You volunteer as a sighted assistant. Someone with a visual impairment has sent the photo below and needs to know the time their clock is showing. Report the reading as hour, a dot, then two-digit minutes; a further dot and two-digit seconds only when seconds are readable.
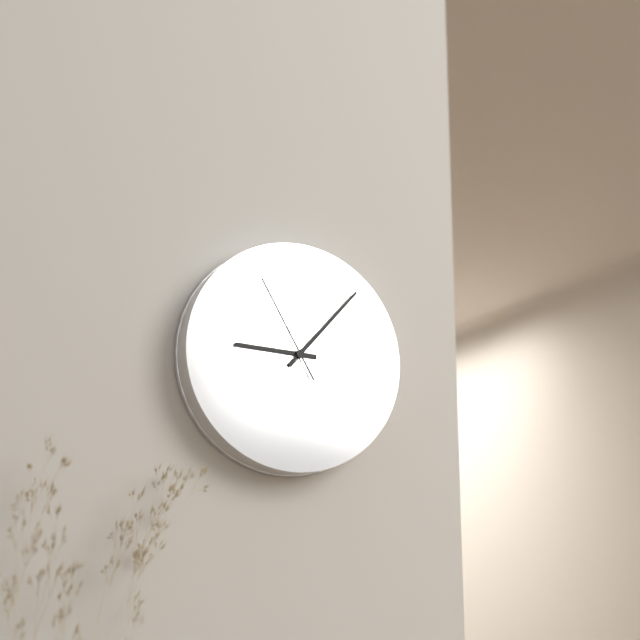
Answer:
9.07.55
